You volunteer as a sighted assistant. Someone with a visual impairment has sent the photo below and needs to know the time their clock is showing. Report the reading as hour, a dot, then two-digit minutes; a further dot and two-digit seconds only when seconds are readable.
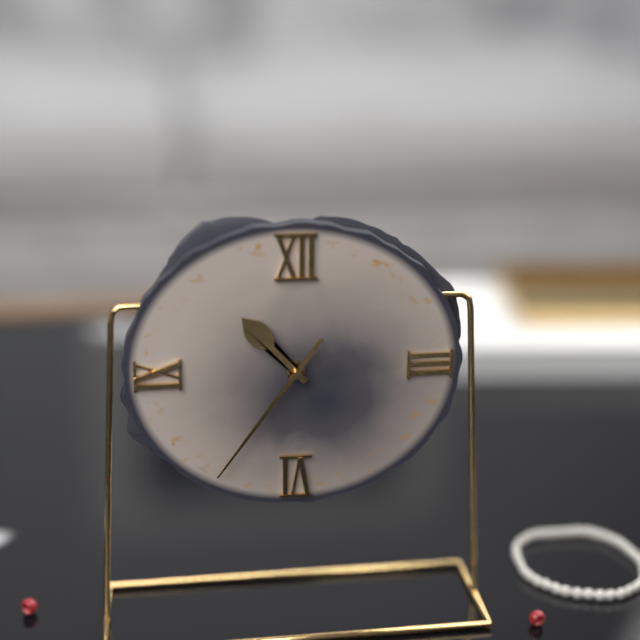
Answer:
10.36
